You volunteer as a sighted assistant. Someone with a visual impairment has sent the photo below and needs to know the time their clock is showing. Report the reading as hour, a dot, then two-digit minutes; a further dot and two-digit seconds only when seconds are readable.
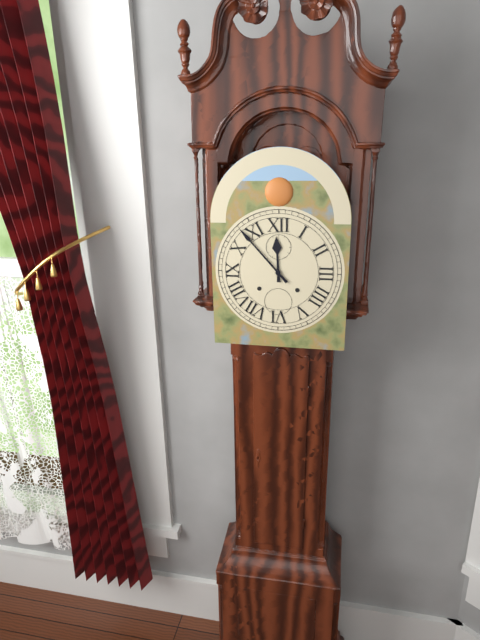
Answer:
11.53
